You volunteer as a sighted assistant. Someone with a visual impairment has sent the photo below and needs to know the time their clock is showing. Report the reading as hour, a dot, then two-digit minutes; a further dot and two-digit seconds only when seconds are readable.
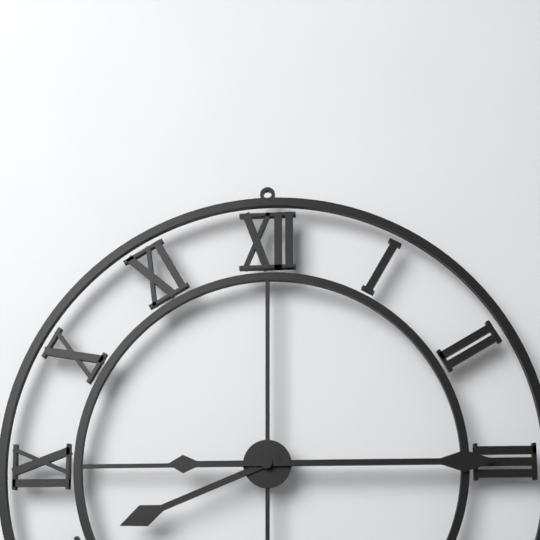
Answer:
8.15
